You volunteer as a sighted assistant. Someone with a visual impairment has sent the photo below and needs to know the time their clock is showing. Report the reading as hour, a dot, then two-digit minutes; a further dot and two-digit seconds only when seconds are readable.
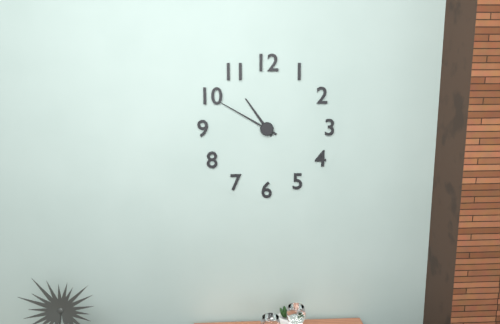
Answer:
10.50
